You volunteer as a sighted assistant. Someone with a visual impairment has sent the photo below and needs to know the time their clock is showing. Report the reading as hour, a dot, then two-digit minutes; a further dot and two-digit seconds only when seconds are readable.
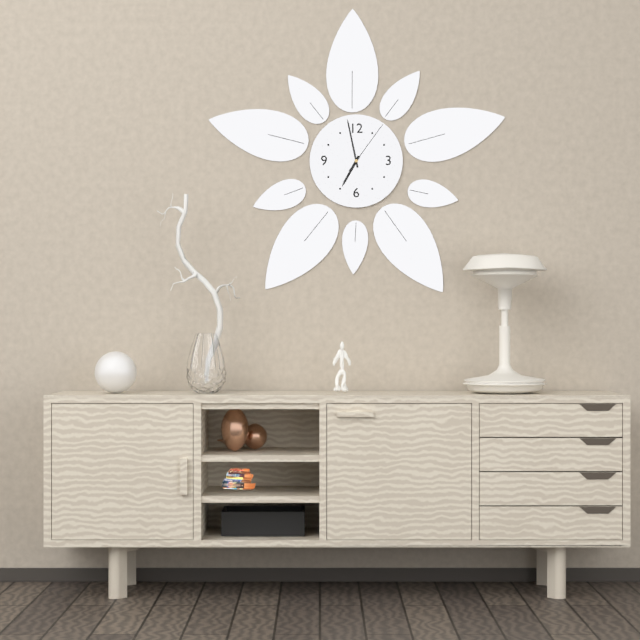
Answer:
6.58.06
